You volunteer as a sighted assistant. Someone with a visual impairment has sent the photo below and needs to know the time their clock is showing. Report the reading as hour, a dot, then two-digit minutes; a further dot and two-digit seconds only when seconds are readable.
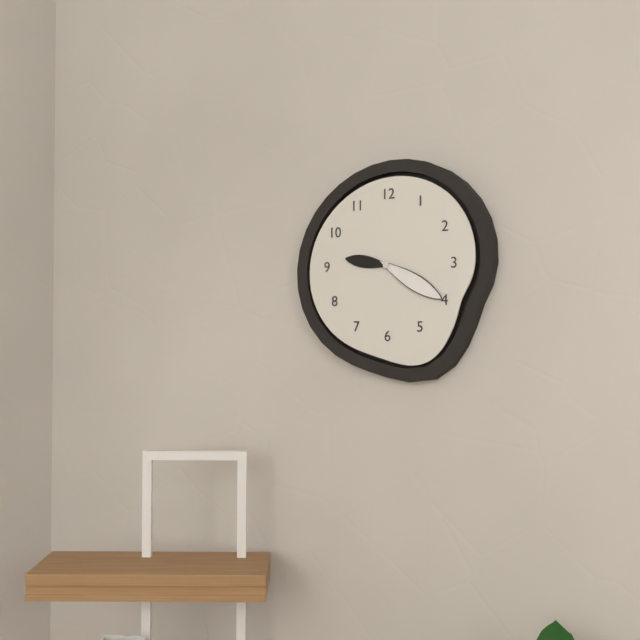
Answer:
9.20
